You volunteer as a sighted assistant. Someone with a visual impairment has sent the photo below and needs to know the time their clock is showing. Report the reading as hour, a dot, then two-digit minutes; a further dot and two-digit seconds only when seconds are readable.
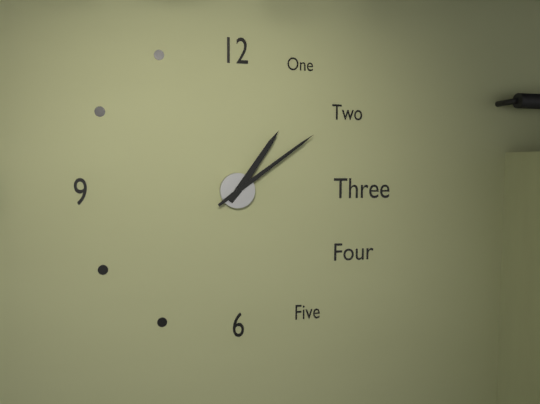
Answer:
1.09
